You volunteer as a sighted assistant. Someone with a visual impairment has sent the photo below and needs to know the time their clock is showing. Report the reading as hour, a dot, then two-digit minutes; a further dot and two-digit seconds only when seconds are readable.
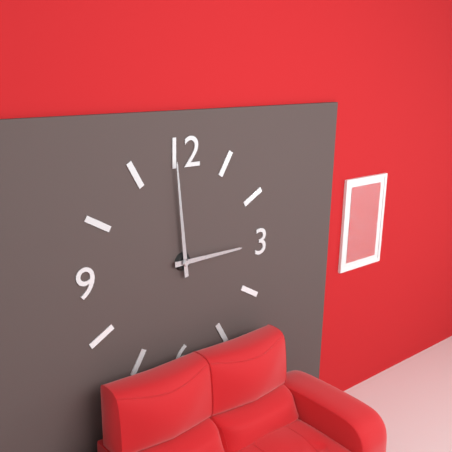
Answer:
2.59
